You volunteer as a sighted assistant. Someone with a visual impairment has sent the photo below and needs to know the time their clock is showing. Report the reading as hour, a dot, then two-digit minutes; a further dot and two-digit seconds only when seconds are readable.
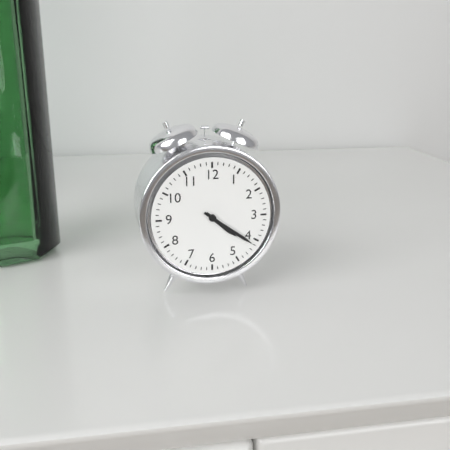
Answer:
4.21
